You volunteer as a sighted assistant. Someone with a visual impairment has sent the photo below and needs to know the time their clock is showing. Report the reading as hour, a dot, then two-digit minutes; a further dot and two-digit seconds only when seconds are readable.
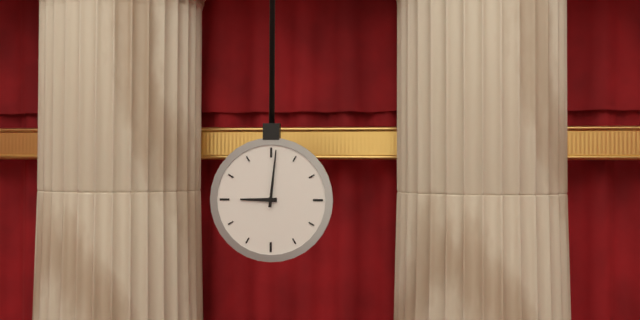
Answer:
9.01
